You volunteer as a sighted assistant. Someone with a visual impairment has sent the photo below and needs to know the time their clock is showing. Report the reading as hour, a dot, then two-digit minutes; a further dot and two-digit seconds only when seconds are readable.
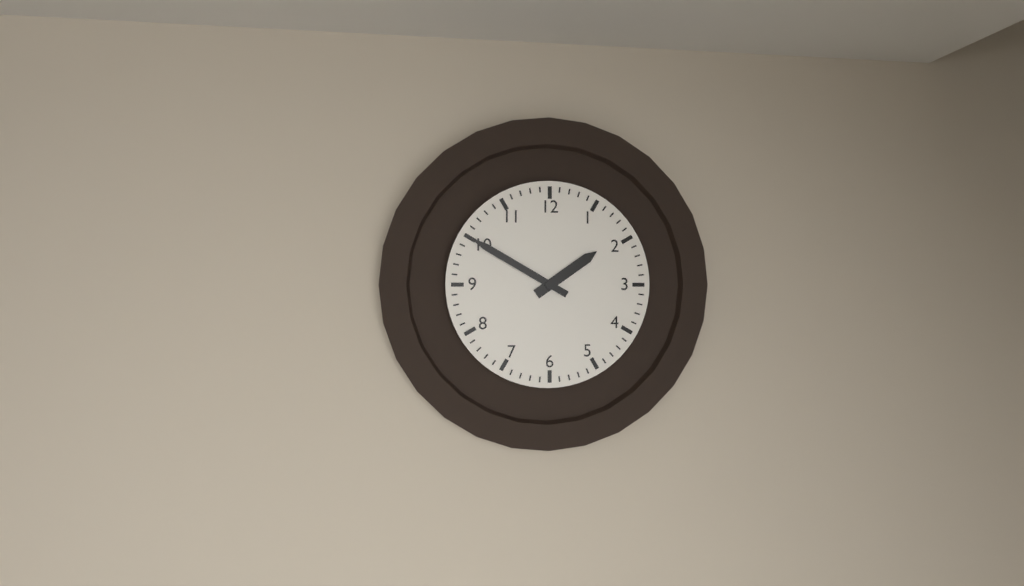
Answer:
1.50
